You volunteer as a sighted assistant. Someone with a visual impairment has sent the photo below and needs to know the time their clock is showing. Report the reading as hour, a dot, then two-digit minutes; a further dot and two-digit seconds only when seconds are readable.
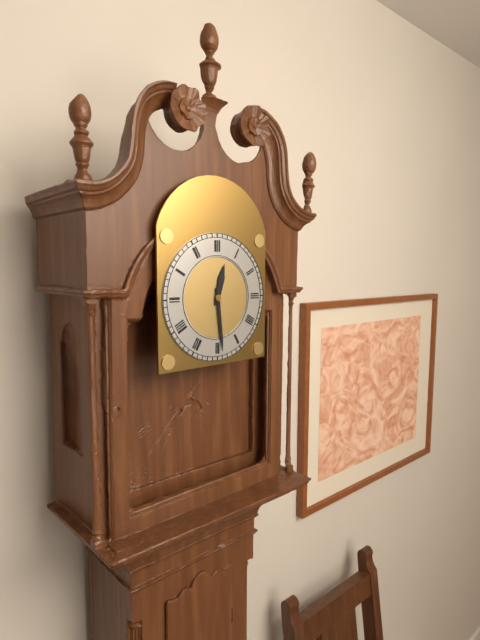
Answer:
12.29
